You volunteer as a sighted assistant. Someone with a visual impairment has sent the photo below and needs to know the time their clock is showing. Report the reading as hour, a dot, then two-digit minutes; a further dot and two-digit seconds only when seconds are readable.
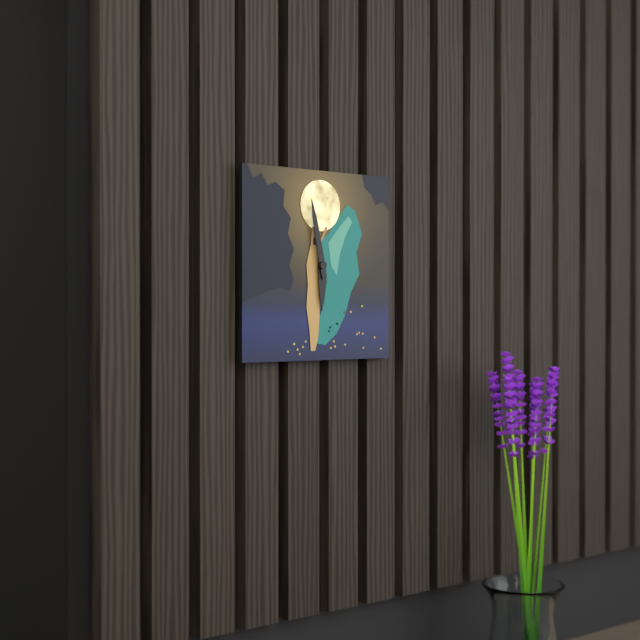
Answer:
5.58
